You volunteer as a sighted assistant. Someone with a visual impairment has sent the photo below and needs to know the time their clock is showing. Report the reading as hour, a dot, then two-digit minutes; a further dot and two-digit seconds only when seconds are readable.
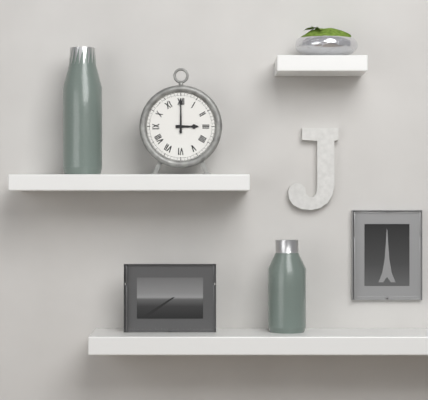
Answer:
3.00
